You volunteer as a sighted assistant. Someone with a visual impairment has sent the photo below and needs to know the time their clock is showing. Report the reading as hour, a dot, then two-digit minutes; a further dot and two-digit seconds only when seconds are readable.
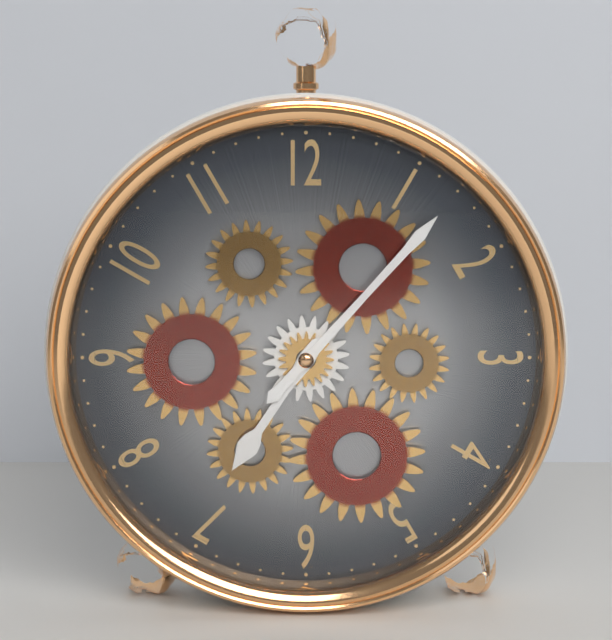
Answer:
7.07
